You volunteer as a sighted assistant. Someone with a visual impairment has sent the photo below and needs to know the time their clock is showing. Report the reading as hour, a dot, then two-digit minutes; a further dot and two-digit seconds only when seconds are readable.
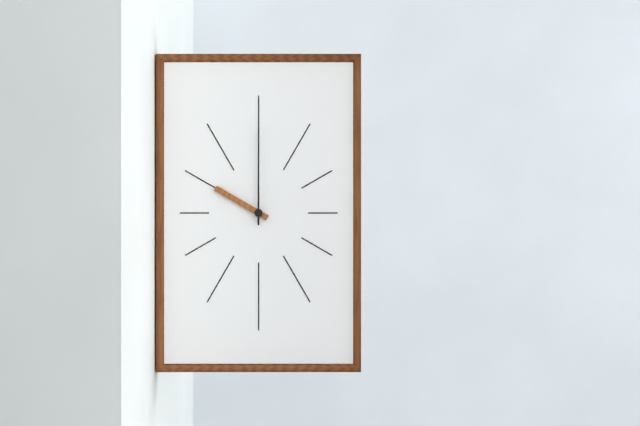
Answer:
10.00
